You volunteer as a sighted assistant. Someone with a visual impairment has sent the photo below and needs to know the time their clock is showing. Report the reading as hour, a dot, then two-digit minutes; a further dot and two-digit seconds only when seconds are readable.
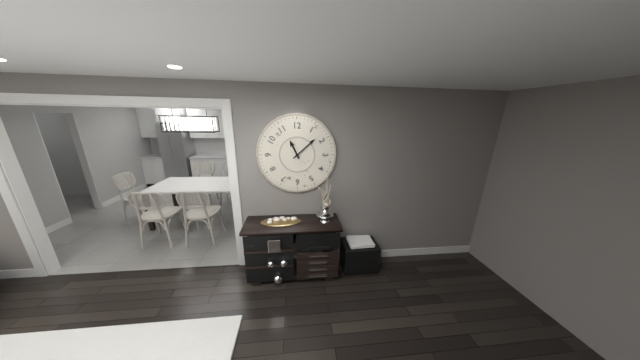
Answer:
11.08
